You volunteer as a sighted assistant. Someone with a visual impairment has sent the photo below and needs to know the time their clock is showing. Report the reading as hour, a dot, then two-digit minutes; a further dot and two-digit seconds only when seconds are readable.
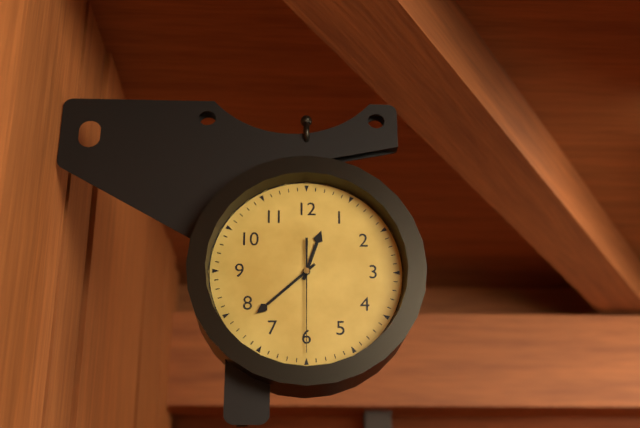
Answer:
12.38.30
